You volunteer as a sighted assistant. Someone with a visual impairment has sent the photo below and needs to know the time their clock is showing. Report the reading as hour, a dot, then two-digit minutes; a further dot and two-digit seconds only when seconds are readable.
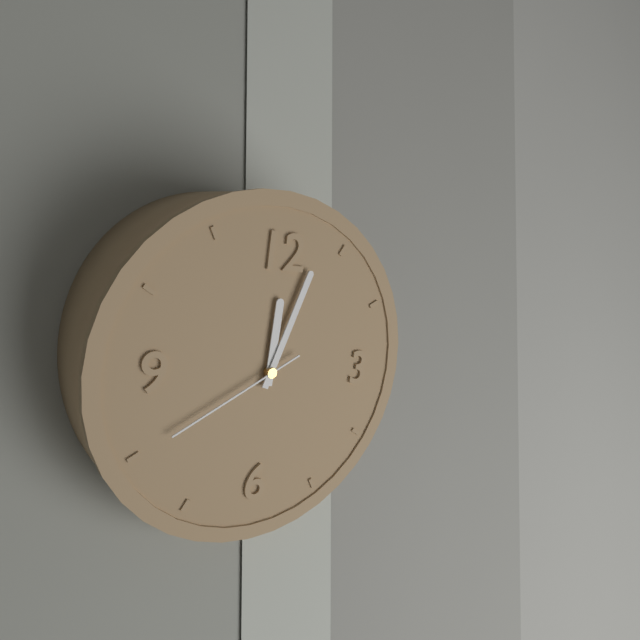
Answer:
12.03.40
